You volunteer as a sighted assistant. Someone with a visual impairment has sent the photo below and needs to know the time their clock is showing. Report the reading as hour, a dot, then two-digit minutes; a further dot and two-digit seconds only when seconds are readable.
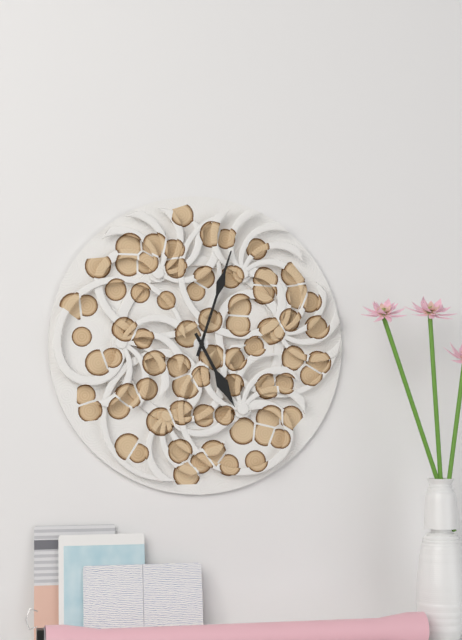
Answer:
5.03
